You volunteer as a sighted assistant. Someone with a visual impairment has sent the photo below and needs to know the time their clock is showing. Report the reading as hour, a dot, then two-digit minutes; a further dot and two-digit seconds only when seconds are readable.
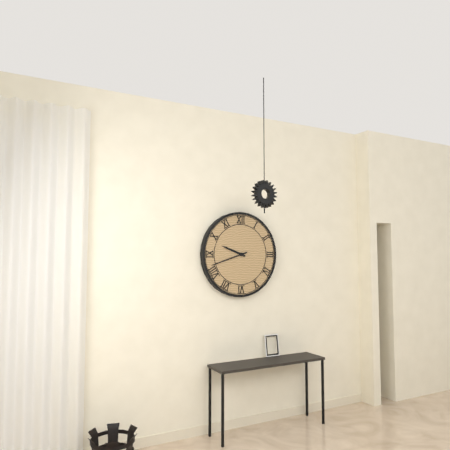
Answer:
9.42
